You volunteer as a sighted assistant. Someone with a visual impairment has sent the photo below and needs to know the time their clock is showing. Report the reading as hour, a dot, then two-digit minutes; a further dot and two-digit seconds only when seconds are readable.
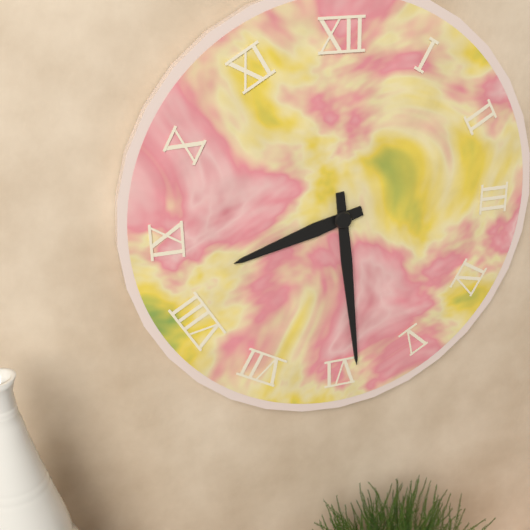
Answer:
8.29
